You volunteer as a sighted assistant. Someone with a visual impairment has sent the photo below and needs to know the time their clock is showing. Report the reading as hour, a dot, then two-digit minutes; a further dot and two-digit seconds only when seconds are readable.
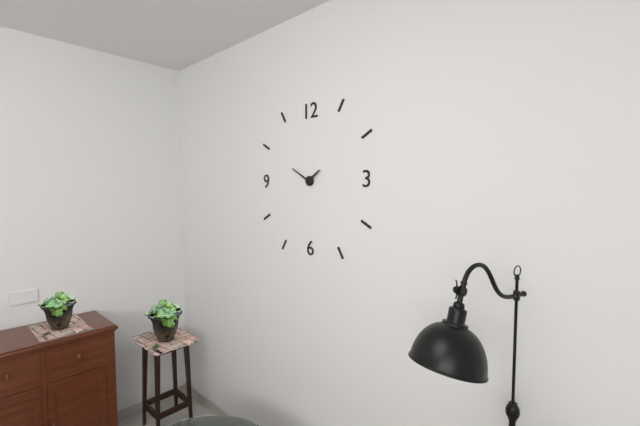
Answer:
1.50
